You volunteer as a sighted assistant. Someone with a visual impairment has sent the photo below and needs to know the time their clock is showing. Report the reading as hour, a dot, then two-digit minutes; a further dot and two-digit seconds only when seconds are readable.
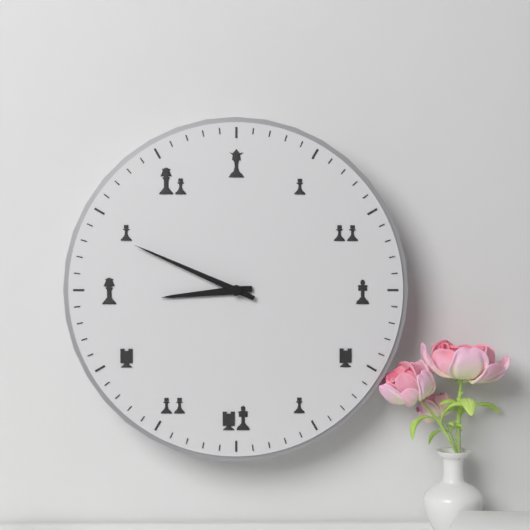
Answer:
8.49
